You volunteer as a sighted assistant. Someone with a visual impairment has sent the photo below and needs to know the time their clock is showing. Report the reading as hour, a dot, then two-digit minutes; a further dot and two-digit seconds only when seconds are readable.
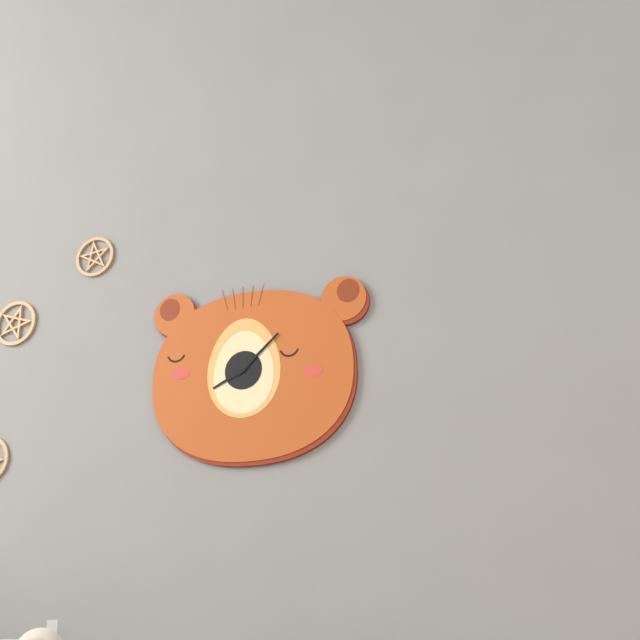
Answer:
8.08
